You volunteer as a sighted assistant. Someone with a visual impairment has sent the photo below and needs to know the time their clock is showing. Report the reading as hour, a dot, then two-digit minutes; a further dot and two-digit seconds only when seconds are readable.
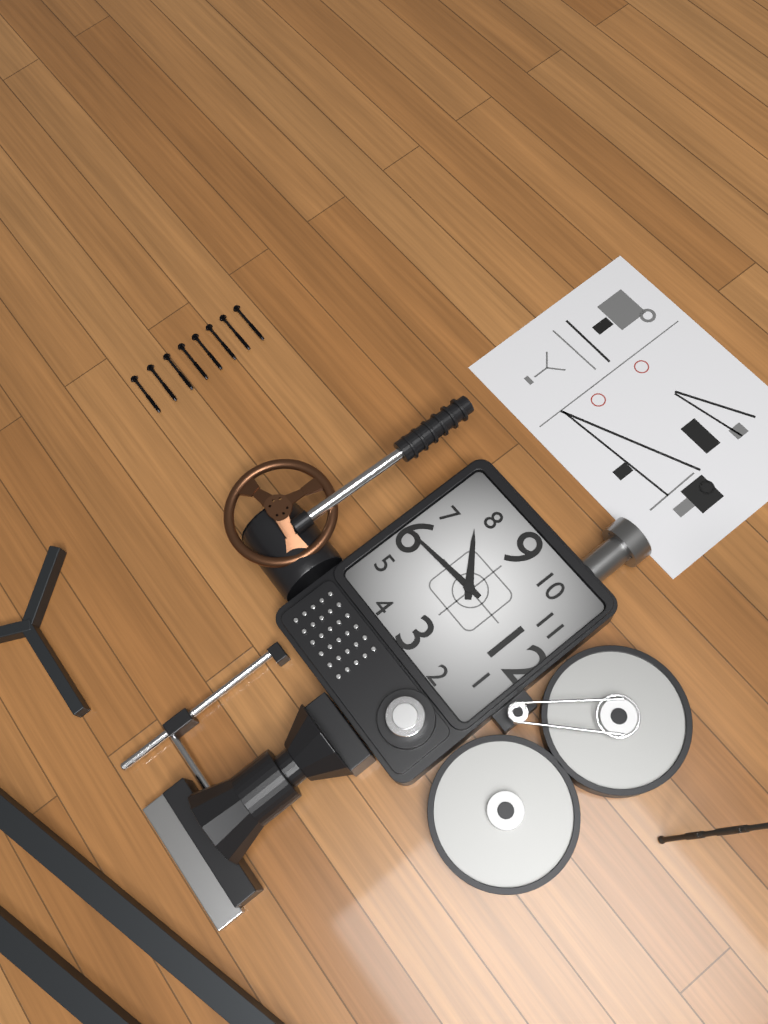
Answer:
7.29
